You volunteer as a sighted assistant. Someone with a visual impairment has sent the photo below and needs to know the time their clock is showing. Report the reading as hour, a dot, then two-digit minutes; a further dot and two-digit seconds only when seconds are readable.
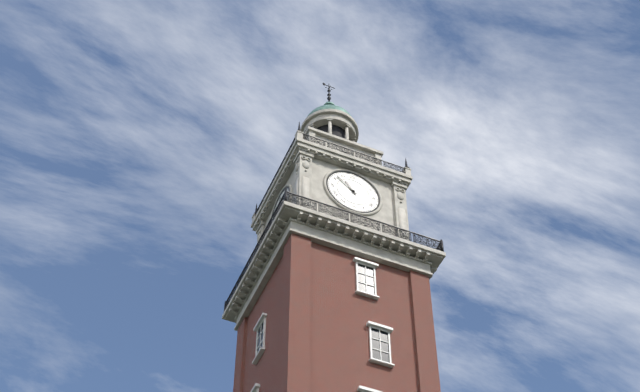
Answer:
10.52
